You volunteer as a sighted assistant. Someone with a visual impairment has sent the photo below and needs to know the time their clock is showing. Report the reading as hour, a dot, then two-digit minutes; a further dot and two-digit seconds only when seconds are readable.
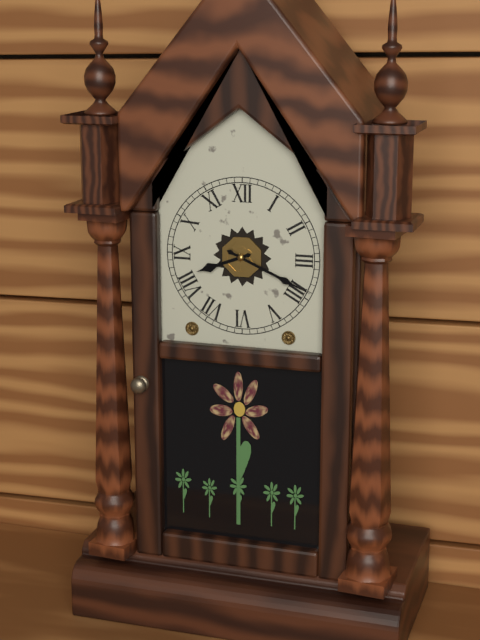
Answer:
8.19
